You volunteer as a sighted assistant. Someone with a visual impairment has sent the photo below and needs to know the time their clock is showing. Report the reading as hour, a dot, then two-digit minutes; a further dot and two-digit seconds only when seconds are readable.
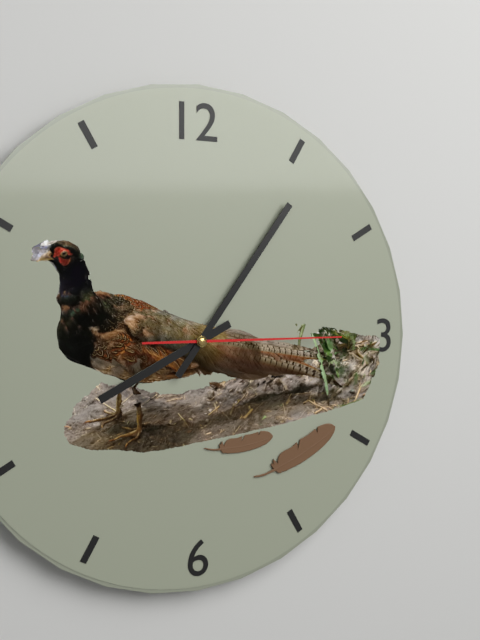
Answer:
8.06.15
